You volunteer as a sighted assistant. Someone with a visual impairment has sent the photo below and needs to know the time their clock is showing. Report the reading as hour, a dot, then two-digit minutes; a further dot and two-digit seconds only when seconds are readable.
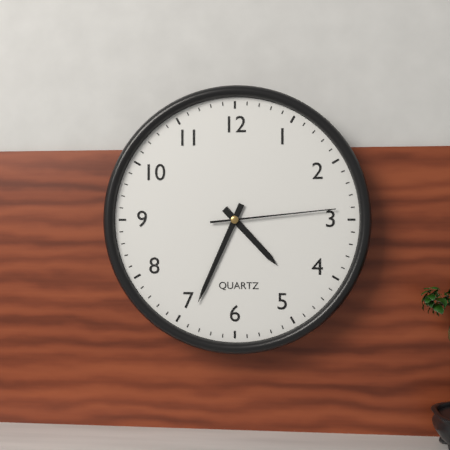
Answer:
4.34.14
